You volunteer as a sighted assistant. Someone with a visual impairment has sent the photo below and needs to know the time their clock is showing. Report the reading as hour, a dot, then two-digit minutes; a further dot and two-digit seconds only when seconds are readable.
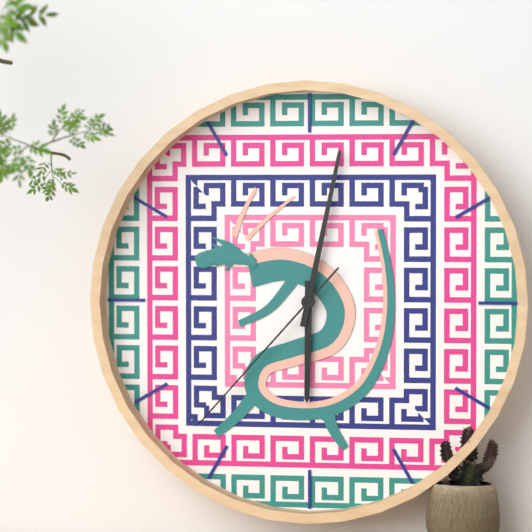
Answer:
6.02.37
